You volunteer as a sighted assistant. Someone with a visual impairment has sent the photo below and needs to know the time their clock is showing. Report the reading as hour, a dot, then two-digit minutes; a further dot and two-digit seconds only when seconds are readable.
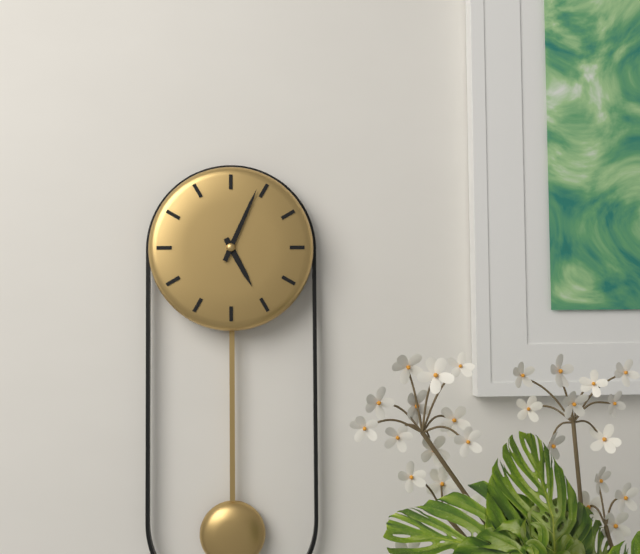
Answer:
5.04
